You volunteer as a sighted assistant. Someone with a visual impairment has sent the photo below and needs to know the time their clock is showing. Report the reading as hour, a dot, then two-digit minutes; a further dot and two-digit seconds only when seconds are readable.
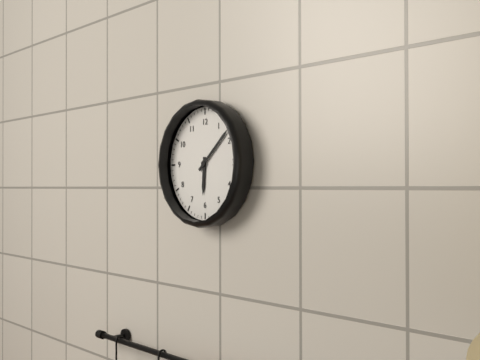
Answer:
6.08
